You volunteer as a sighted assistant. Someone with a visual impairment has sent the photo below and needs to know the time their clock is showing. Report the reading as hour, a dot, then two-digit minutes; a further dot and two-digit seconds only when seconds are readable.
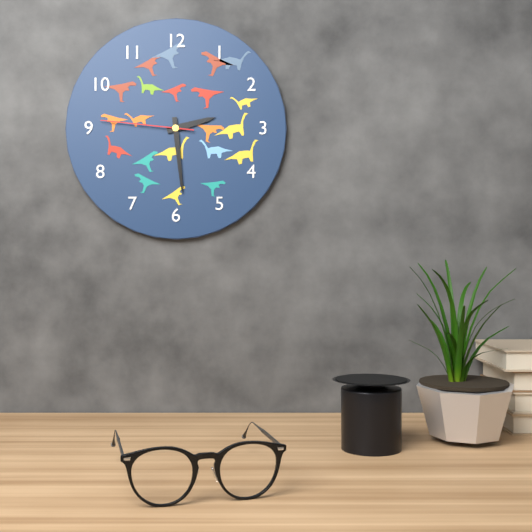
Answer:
2.29.46
